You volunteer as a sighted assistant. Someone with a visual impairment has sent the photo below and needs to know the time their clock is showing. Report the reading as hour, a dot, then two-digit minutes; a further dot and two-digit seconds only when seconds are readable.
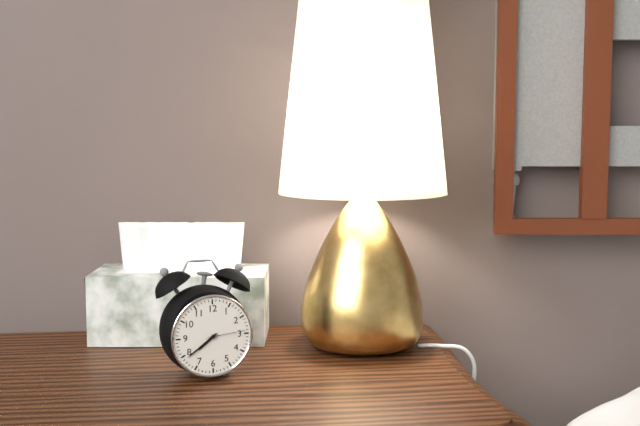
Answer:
7.39
